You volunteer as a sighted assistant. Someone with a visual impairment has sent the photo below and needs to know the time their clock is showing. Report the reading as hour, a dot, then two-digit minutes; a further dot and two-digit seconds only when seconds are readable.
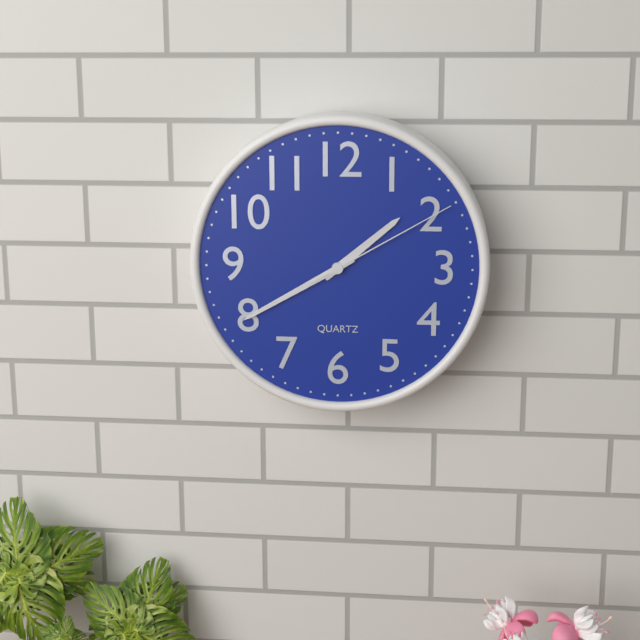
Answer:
1.40.10
